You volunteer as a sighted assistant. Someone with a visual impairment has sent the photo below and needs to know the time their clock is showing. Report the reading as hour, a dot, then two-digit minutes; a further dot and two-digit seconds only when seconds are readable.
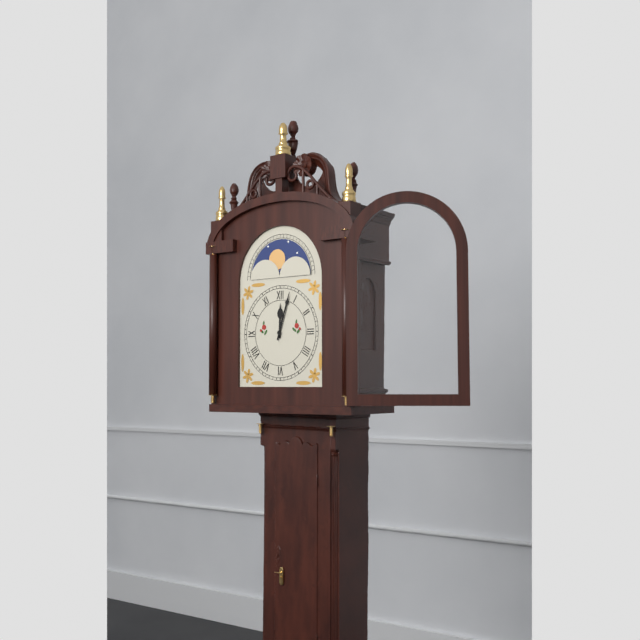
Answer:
12.03
